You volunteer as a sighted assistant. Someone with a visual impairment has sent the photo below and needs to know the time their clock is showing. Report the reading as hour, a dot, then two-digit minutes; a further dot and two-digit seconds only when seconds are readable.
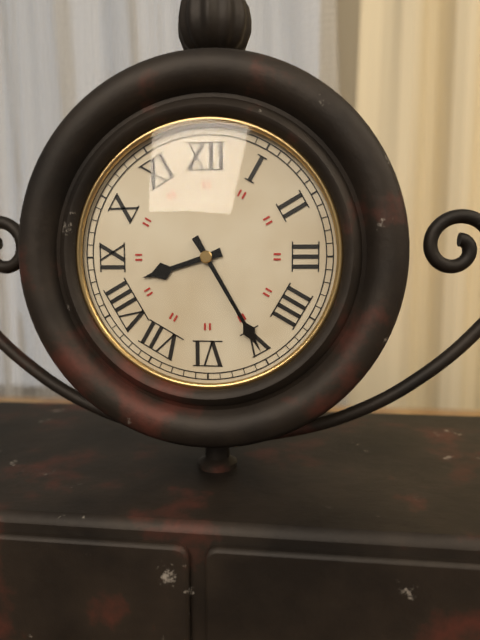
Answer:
8.25
